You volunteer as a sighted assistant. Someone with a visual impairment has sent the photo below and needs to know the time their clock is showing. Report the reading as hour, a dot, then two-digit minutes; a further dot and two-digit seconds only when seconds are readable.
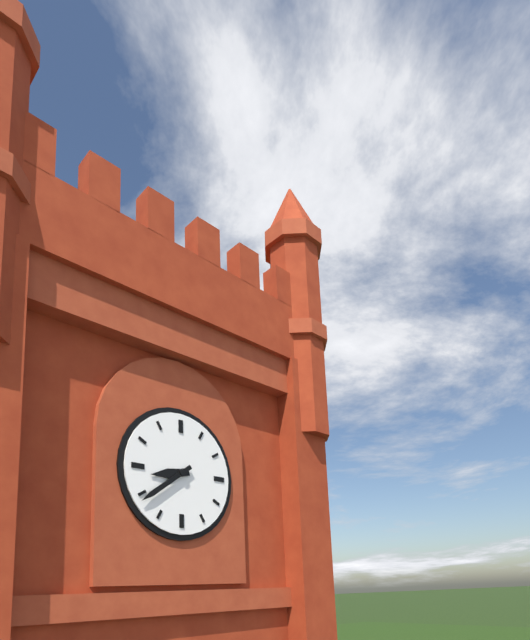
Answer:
8.39
